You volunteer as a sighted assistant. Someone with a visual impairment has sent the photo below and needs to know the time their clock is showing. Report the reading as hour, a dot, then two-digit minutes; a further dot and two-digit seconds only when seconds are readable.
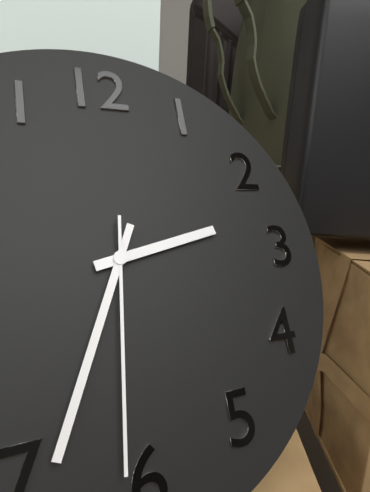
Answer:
2.34.31
